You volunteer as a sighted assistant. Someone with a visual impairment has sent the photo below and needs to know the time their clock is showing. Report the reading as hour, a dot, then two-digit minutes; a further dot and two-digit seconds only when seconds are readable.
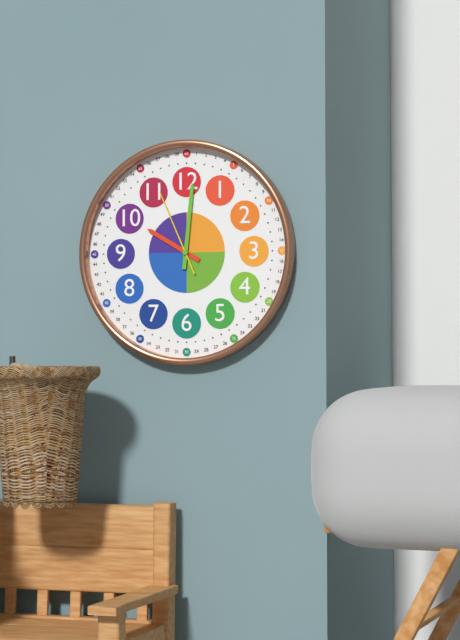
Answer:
10.01.56
